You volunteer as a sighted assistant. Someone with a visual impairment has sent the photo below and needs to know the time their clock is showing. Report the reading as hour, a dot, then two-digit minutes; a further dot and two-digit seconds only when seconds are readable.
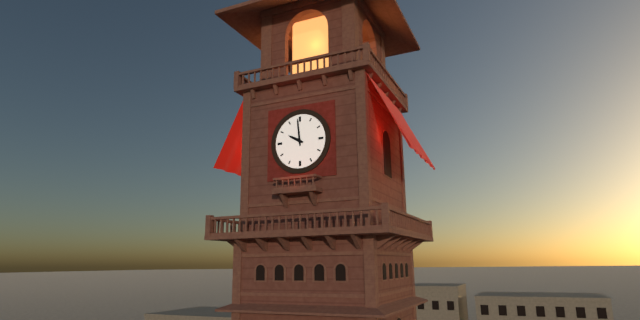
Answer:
9.59
